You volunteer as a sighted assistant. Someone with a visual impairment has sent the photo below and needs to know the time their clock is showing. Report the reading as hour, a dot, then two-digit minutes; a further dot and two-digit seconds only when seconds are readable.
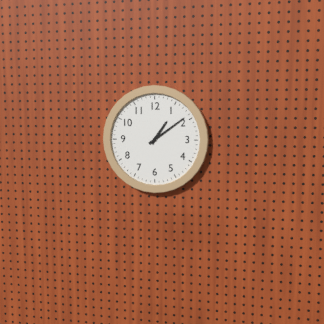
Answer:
1.09
